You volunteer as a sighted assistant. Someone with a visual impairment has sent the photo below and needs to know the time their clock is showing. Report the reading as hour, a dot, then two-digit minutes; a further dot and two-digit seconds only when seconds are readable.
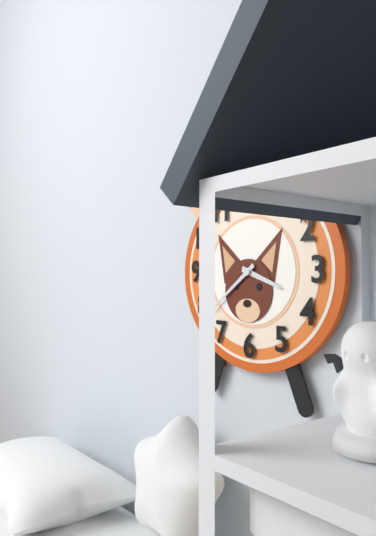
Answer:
3.39
